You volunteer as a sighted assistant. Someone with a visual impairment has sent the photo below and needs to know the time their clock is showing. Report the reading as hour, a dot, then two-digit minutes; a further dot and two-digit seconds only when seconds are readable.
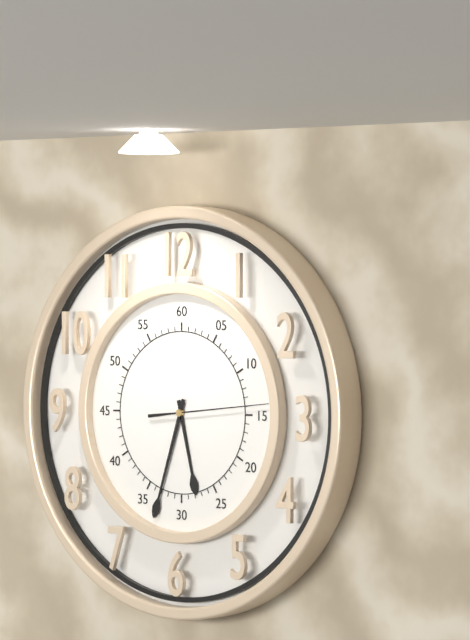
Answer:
5.33.14
